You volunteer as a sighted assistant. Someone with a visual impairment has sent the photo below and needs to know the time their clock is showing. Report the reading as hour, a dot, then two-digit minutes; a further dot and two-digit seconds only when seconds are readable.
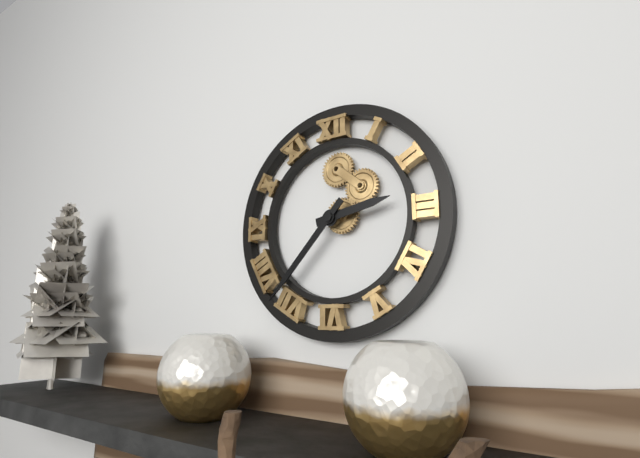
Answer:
2.37
